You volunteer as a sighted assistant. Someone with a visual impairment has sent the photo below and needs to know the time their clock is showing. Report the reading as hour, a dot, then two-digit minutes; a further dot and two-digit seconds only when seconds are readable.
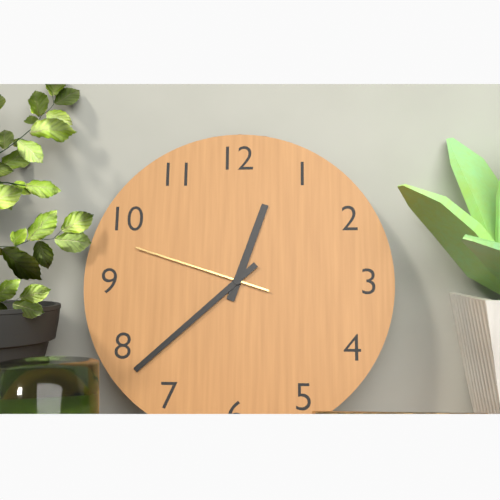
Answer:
12.38.48
